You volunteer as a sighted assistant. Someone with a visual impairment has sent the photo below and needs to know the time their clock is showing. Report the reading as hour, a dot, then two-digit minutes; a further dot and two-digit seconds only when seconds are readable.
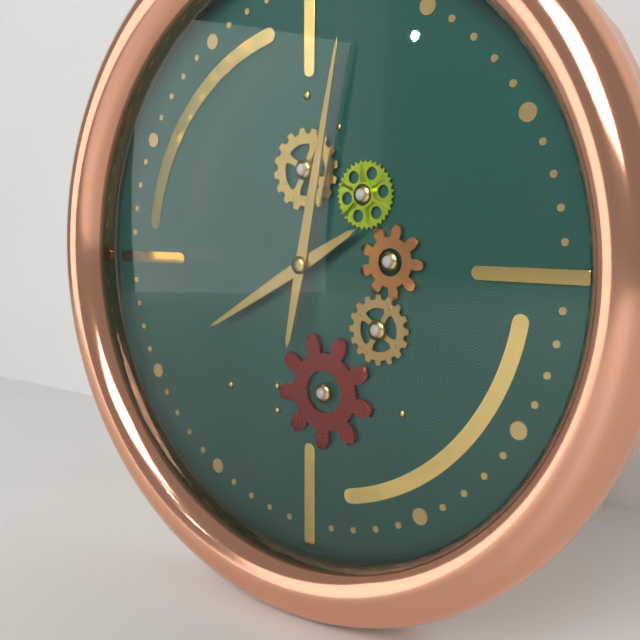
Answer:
8.02
